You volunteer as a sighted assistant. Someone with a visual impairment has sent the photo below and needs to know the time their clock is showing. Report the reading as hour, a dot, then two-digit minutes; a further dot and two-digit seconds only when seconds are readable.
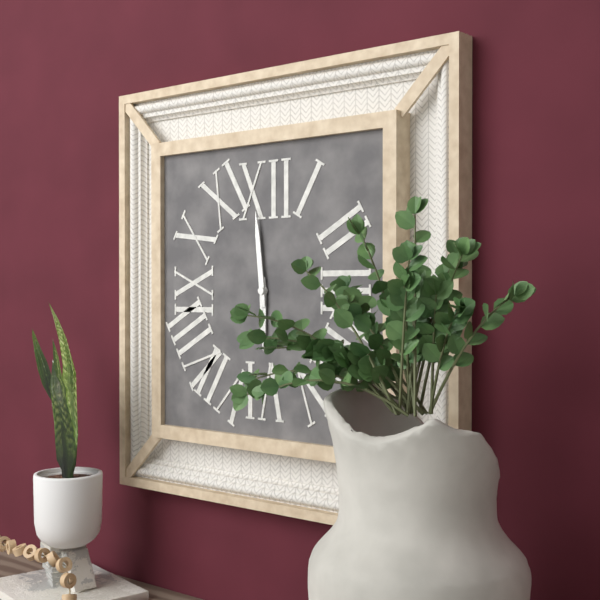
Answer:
5.59
